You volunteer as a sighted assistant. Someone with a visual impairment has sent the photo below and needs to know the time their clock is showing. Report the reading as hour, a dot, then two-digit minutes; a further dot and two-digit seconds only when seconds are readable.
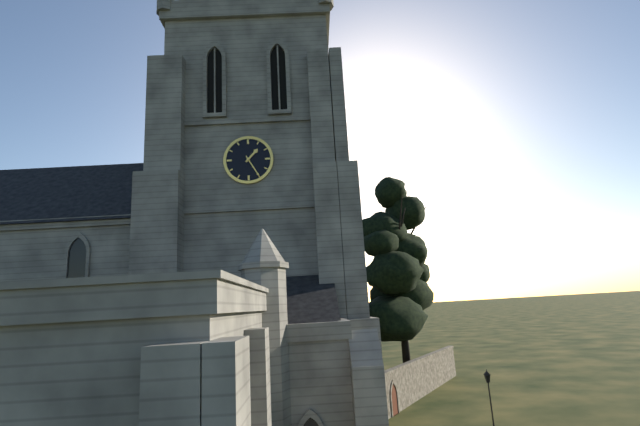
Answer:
1.25
